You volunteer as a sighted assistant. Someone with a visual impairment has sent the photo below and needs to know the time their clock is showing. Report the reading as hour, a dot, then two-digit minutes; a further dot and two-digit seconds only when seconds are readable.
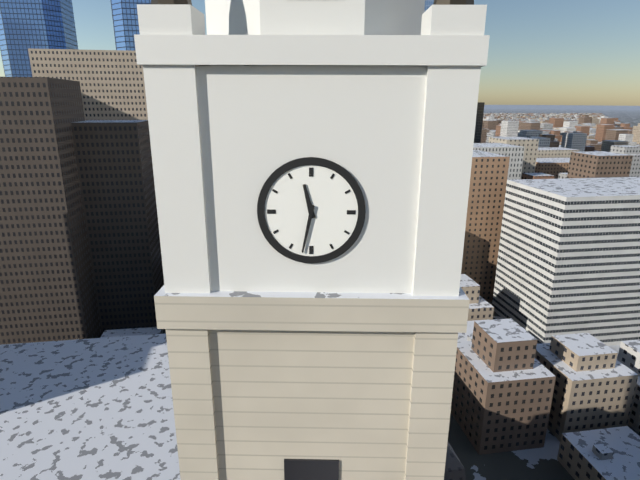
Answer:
11.32
